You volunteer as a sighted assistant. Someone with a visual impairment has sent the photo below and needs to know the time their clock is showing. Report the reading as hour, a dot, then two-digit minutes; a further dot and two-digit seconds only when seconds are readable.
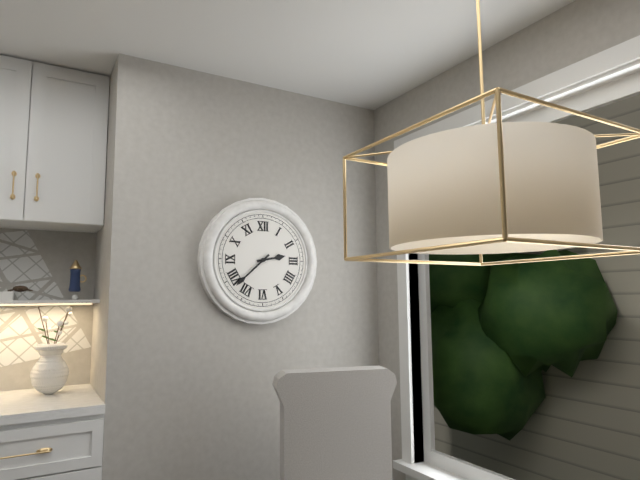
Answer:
2.38
